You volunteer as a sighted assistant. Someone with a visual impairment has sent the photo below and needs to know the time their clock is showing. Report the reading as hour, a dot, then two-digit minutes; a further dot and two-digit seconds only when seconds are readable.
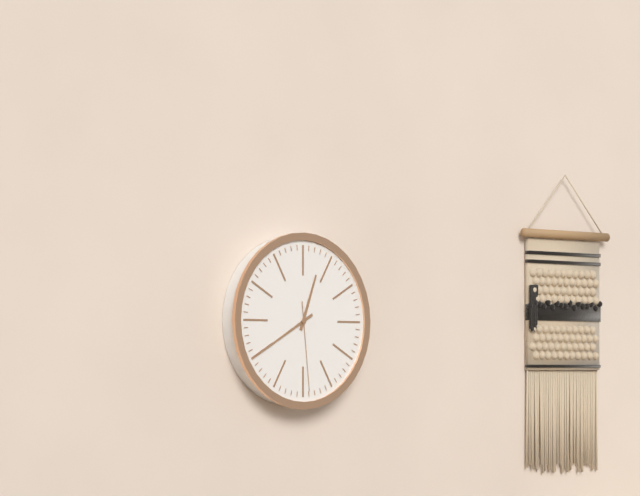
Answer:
12.40.29
